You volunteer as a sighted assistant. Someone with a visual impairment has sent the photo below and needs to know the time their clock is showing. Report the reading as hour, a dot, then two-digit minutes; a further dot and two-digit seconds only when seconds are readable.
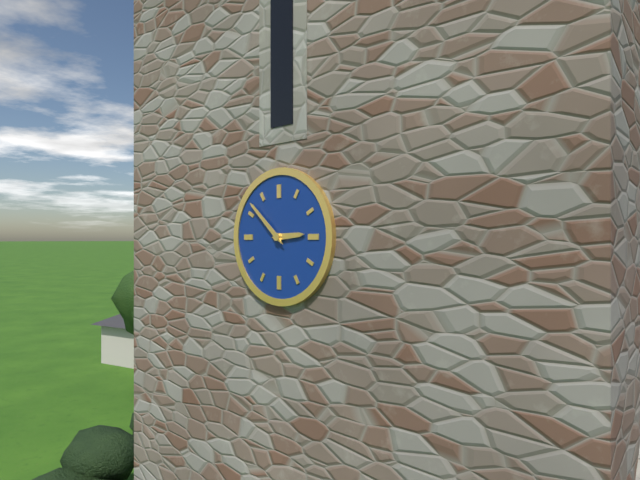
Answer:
2.52
